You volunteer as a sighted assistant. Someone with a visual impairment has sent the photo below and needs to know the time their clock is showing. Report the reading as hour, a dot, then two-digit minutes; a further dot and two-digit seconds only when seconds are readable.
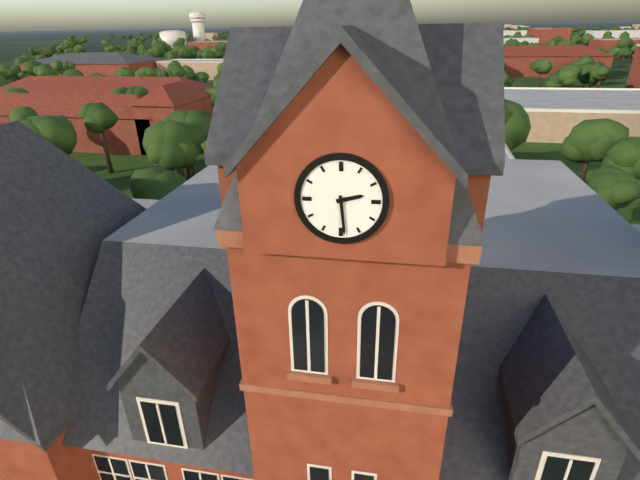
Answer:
2.29
